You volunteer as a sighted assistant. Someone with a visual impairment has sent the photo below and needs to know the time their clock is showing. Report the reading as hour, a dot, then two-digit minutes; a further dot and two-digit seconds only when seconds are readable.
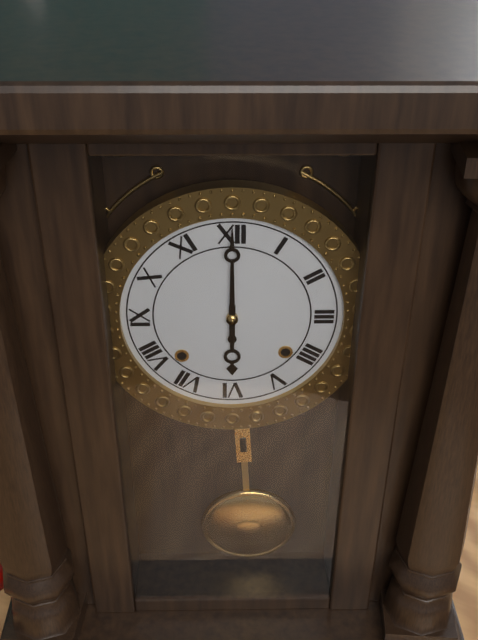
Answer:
6.00
